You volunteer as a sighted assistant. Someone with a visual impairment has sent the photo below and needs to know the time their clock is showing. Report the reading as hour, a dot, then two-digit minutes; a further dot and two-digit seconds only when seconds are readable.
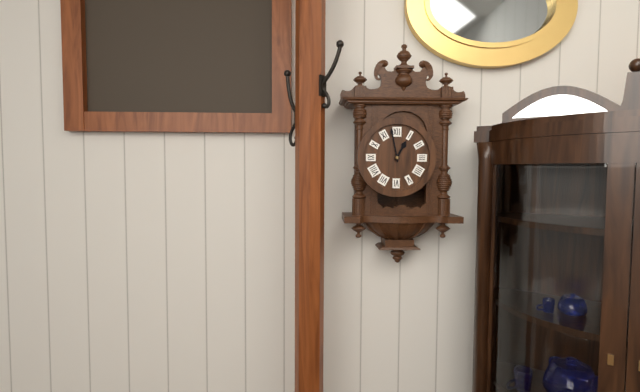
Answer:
12.58
